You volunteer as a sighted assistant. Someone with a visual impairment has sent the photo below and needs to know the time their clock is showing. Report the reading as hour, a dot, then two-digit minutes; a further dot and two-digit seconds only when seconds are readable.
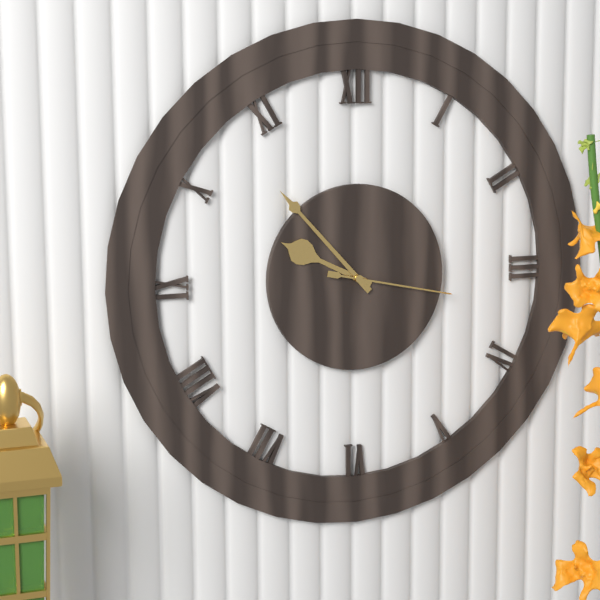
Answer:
9.53.17
